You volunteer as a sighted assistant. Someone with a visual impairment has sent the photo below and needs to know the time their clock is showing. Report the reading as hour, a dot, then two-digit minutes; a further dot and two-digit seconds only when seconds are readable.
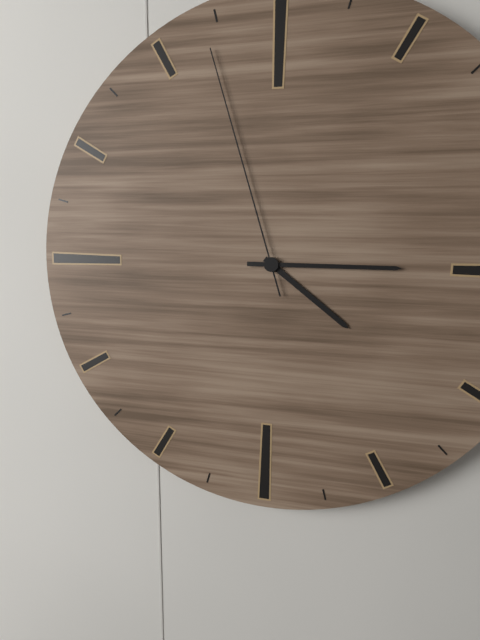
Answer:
4.15.57
